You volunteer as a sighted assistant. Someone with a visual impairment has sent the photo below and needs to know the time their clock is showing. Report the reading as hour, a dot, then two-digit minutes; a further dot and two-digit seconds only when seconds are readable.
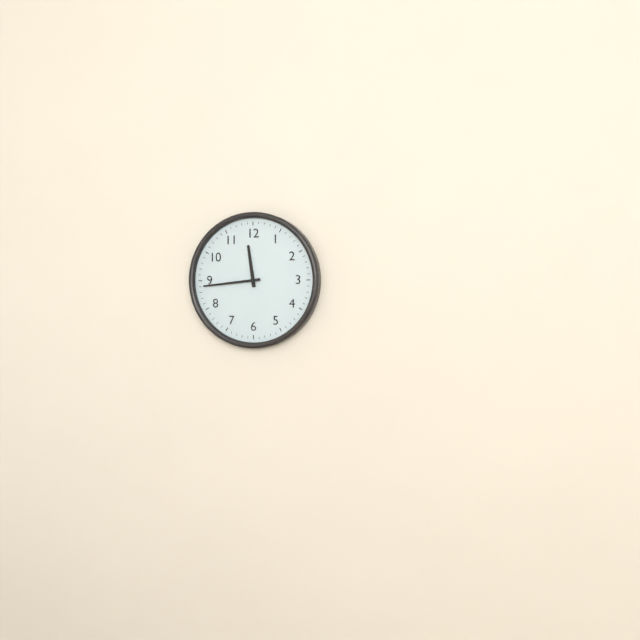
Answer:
11.44
